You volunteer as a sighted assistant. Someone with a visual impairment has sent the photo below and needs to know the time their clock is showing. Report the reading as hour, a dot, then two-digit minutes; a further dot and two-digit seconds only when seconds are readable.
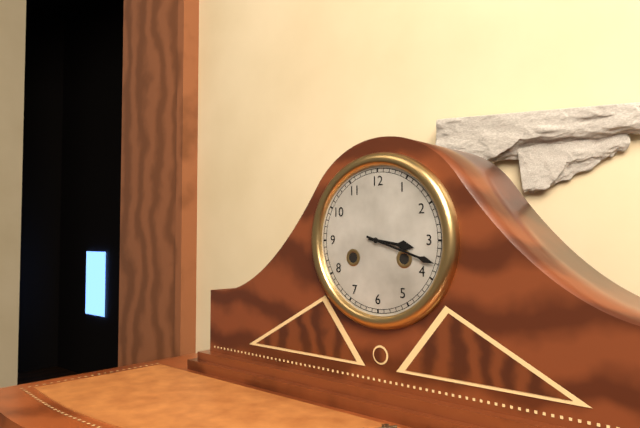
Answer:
3.18
